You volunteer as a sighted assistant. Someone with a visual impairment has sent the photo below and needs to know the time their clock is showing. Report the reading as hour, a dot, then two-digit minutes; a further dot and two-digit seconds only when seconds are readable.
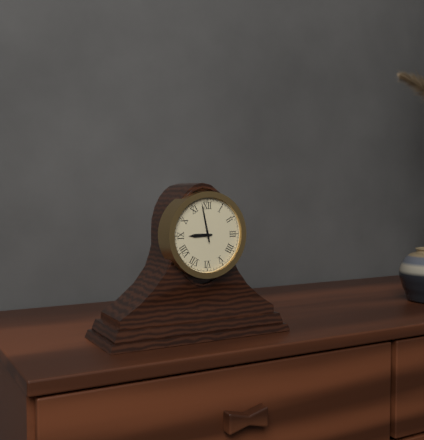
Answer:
8.58
